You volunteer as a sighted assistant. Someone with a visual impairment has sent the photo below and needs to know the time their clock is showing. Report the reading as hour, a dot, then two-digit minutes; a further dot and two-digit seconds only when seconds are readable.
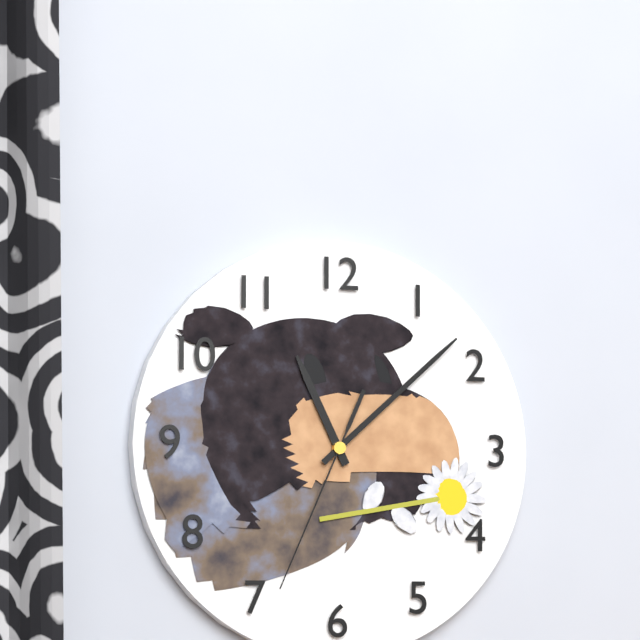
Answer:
11.08.34
